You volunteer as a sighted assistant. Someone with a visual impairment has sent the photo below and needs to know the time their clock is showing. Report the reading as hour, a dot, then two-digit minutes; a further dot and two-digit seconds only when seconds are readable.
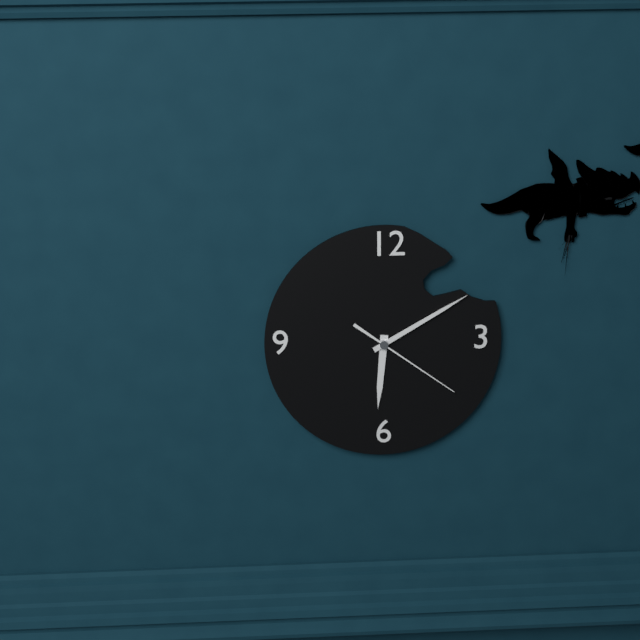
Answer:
6.10.21
